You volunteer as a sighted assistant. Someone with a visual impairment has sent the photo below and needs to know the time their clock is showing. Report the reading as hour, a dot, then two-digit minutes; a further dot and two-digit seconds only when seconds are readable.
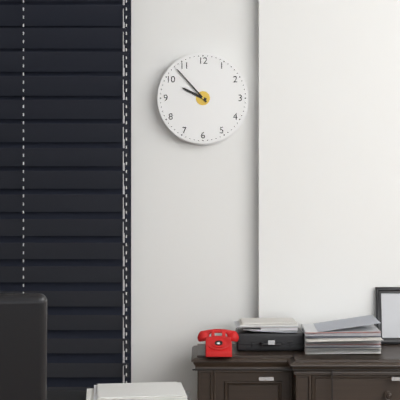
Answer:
9.53
